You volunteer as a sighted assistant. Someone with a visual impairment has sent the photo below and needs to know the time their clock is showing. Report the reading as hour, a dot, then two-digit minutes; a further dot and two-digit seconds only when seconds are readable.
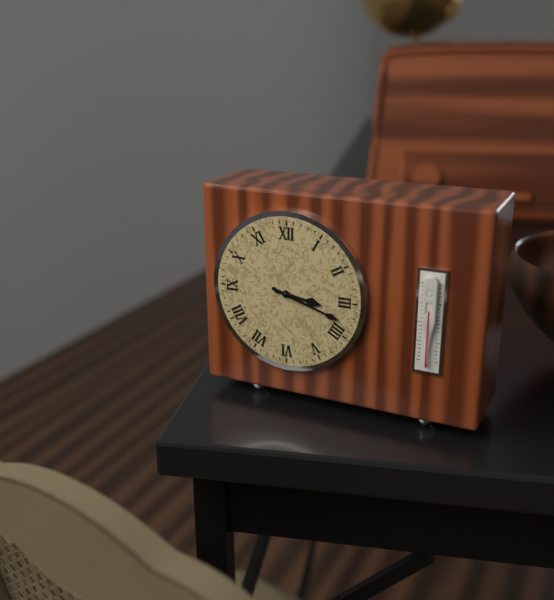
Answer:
3.18
